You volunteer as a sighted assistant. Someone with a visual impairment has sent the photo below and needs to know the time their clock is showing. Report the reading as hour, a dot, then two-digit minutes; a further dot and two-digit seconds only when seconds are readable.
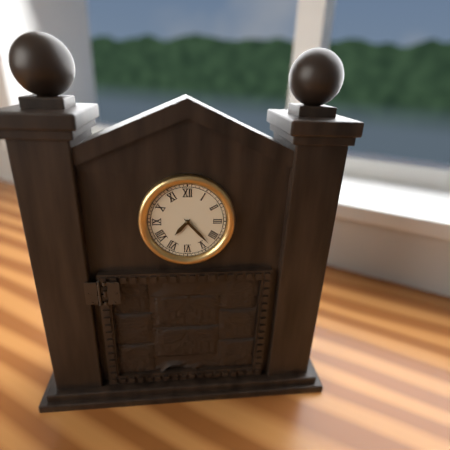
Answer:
7.23
